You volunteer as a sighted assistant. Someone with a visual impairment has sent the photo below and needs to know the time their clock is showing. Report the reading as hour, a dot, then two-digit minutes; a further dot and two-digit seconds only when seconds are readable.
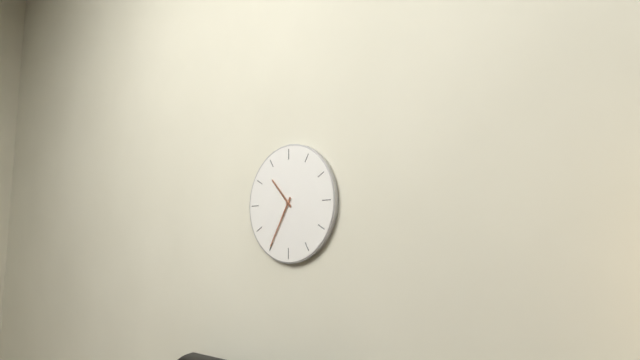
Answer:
10.35
